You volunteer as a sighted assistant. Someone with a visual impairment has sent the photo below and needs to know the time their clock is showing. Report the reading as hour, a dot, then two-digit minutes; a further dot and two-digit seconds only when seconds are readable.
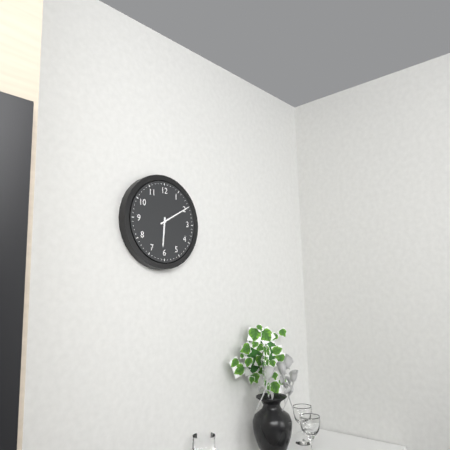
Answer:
6.10
